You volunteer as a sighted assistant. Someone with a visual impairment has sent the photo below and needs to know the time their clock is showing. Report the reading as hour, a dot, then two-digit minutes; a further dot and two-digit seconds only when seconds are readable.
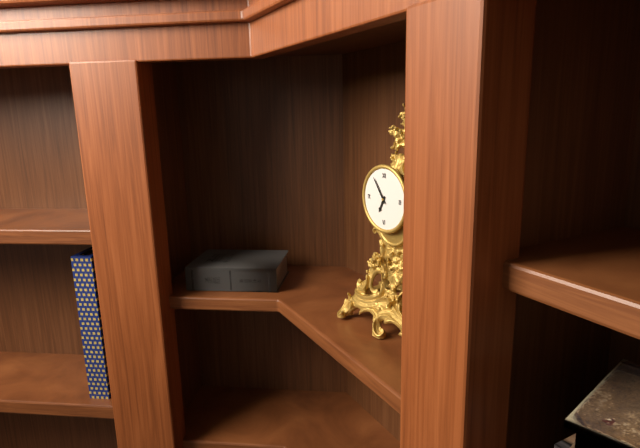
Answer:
6.54
